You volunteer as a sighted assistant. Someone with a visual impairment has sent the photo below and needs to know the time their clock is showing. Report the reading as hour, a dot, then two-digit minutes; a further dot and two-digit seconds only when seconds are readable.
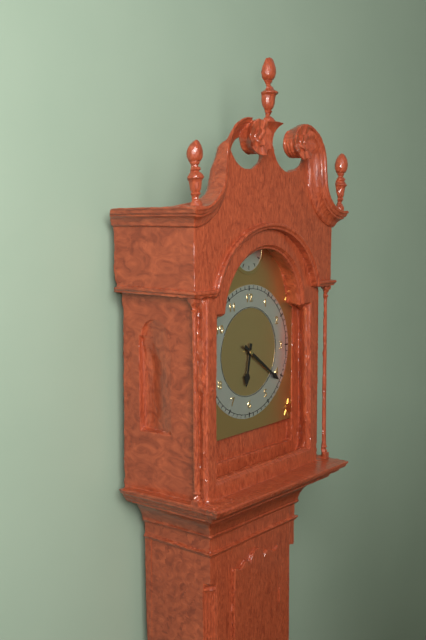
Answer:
6.21
